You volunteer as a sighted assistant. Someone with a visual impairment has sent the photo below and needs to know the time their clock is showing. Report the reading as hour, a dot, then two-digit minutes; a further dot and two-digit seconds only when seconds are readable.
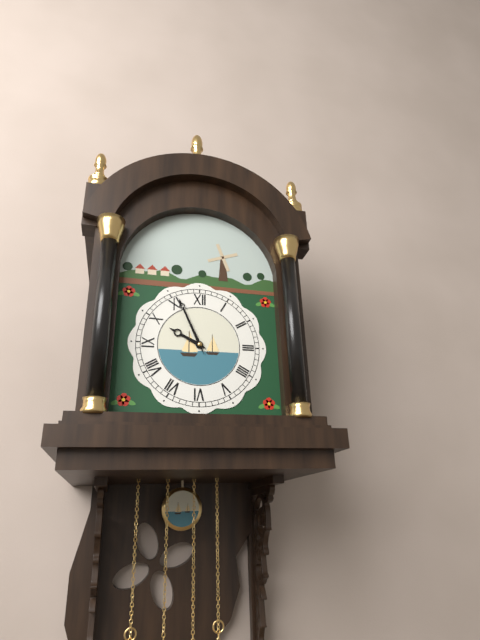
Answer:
9.56
